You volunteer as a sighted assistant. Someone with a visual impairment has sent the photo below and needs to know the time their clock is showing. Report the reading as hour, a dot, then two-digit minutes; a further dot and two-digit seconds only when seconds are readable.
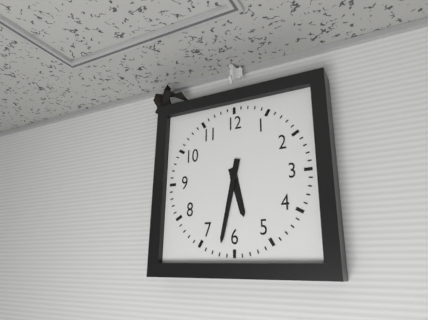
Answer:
5.32
